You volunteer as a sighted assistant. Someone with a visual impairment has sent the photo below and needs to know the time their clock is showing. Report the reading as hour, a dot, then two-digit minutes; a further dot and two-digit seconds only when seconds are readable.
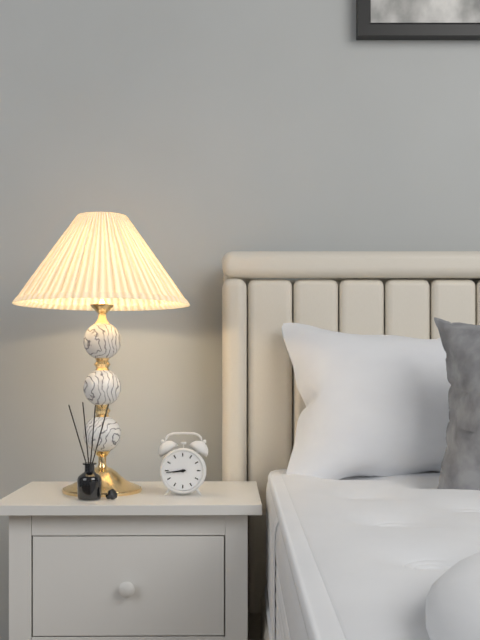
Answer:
8.44
